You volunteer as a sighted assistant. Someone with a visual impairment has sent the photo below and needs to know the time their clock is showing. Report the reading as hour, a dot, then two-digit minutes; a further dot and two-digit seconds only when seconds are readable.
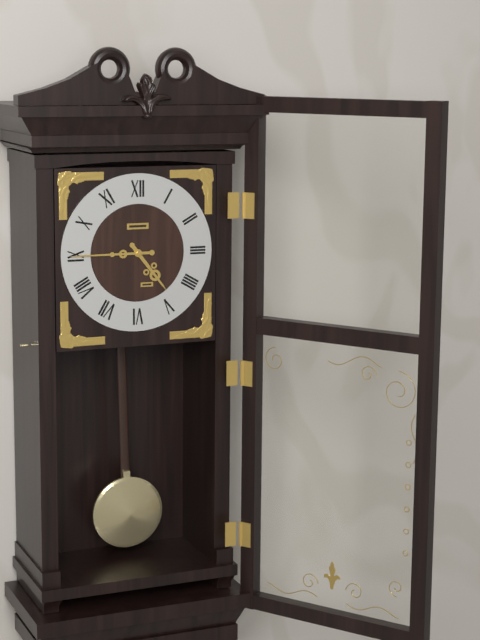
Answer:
4.45
